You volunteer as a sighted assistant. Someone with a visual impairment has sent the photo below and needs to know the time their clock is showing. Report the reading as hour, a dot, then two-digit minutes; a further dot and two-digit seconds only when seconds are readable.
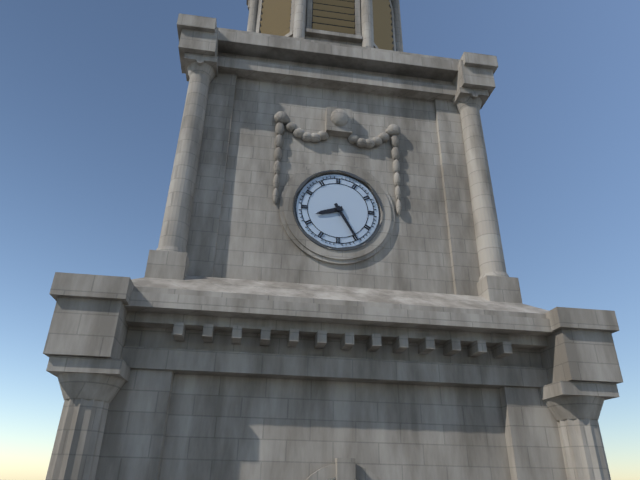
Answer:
8.25
